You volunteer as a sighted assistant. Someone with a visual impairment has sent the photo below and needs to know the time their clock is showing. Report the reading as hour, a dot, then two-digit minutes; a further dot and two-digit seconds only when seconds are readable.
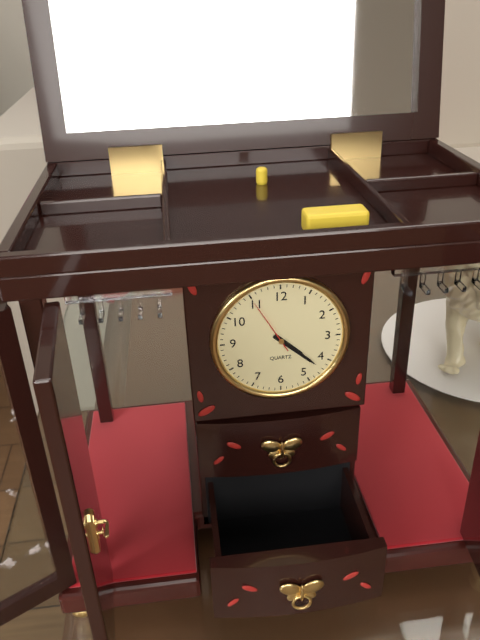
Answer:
4.22.55
